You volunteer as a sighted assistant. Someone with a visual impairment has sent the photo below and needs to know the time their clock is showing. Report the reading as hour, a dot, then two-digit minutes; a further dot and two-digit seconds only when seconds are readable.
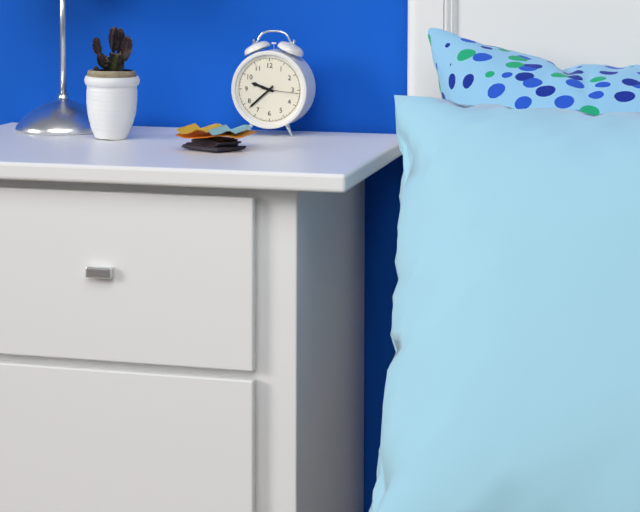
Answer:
9.38
